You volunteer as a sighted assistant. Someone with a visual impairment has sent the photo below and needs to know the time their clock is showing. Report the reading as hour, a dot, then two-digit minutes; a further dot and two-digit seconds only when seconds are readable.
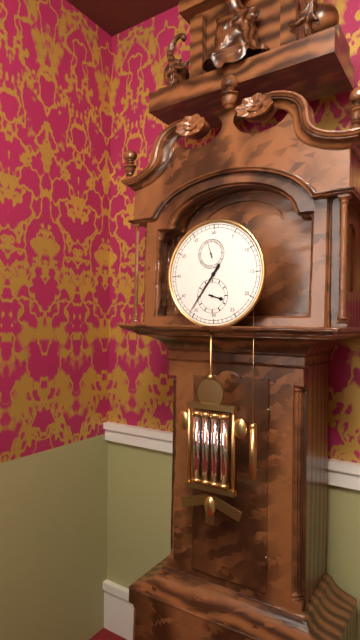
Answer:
3.36
